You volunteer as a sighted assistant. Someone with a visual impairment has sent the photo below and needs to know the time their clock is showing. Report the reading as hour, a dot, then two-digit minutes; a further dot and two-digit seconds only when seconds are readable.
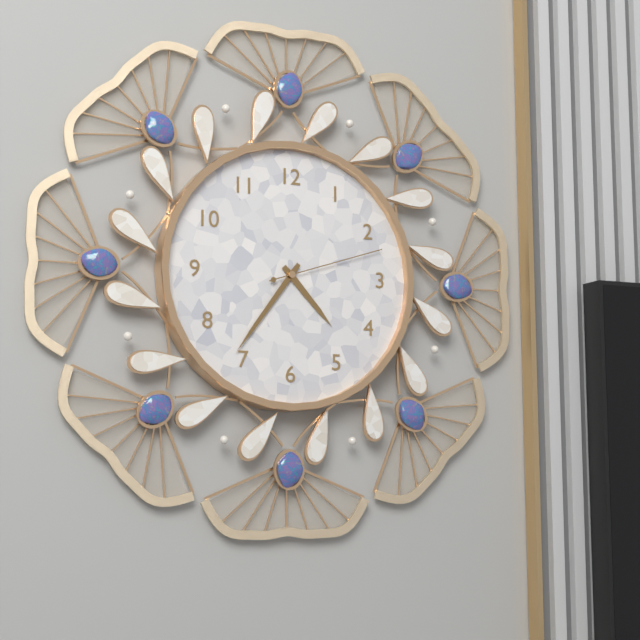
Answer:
4.36.12
